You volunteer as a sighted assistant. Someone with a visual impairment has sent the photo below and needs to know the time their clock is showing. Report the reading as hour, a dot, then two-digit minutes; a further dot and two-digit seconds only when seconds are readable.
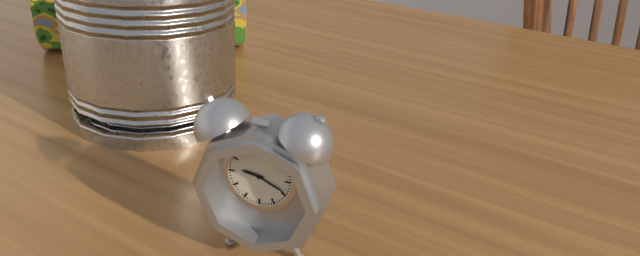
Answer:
9.19
